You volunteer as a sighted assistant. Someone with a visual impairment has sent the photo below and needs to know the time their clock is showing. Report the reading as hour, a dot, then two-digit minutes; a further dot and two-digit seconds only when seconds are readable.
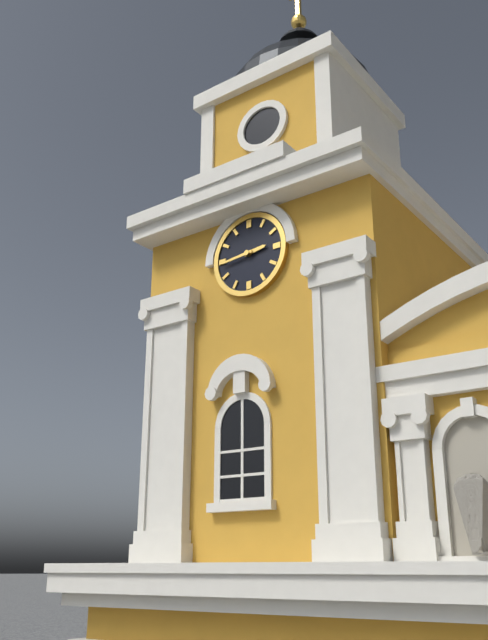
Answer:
2.44
